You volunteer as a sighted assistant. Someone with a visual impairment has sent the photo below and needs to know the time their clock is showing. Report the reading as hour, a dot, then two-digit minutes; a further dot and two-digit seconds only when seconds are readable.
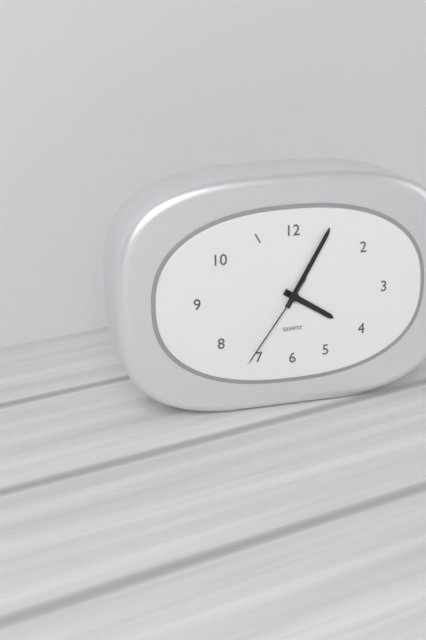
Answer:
4.05.36
